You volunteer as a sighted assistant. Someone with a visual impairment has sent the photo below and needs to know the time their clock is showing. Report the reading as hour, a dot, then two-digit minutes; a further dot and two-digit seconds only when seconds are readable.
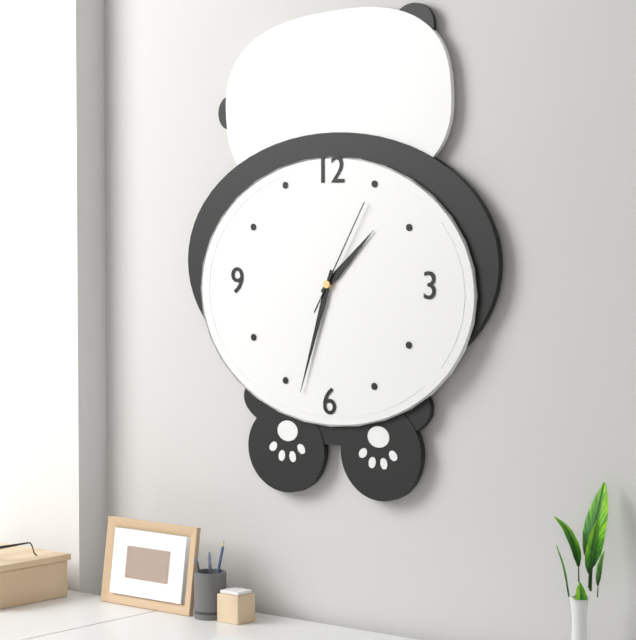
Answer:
1.33.05
